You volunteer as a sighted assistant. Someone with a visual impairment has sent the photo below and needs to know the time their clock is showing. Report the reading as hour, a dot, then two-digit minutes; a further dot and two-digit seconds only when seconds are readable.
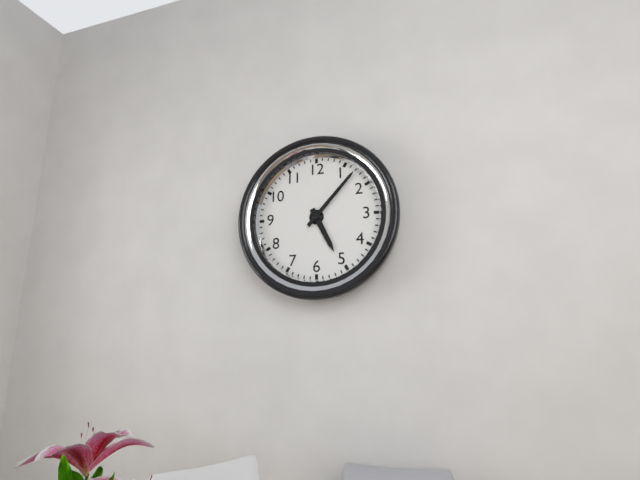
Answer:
5.07
